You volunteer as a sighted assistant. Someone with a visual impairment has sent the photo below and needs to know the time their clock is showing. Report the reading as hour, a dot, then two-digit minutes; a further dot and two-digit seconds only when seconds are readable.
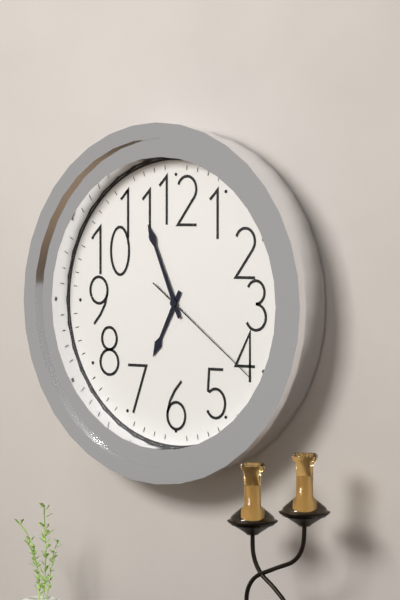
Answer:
6.56.21
